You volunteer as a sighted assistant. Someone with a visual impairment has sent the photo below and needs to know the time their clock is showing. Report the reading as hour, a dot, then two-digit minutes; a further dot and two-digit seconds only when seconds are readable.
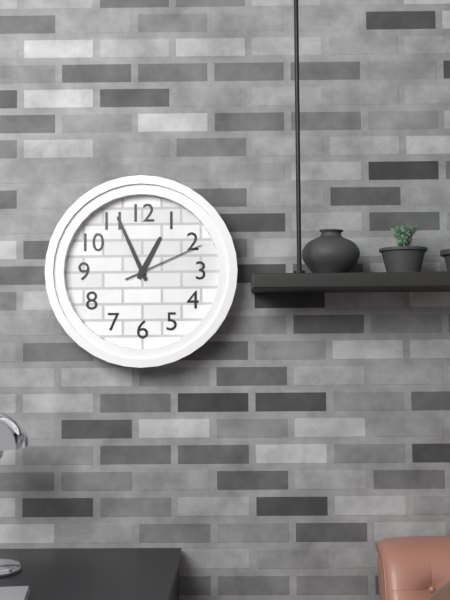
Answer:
12.56.11
